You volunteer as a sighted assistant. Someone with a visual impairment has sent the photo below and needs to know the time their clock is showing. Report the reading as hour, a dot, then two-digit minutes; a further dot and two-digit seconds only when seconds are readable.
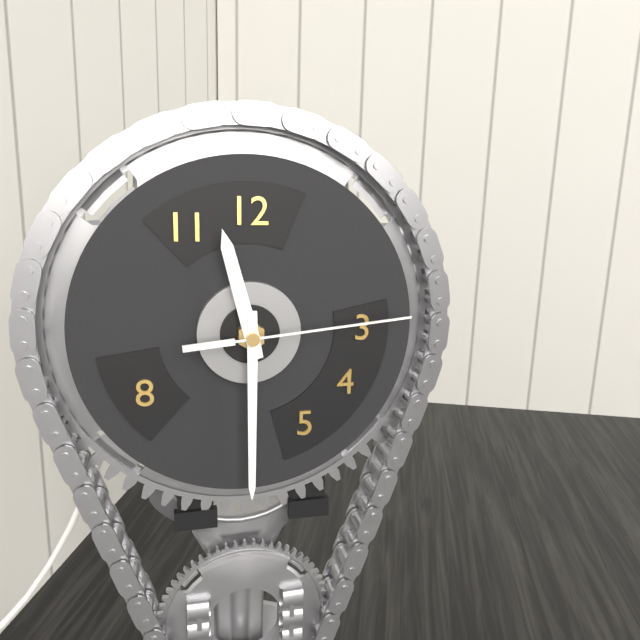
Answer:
11.30.14
